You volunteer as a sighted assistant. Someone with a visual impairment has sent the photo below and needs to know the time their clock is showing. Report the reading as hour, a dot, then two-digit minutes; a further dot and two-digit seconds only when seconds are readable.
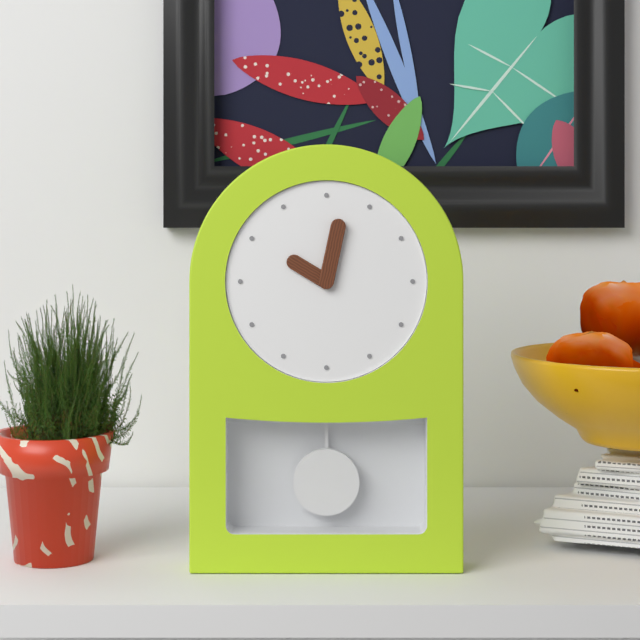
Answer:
10.02
